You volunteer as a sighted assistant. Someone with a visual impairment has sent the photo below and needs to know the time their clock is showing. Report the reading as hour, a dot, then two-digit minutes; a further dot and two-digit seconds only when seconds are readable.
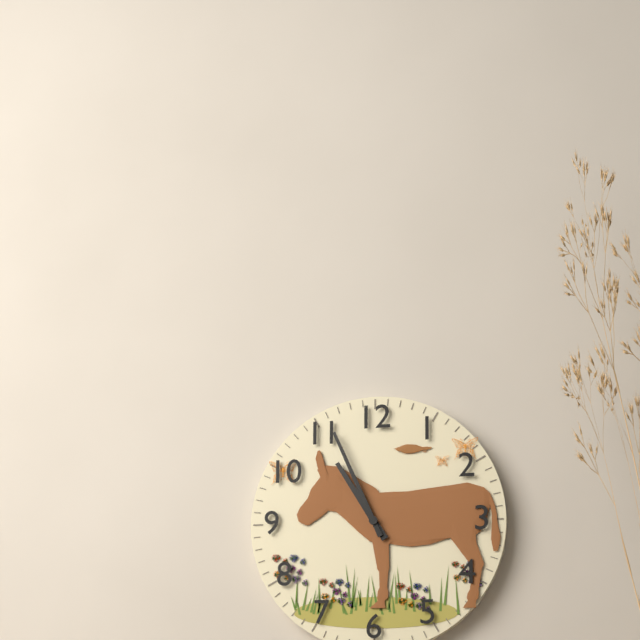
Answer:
10.56
